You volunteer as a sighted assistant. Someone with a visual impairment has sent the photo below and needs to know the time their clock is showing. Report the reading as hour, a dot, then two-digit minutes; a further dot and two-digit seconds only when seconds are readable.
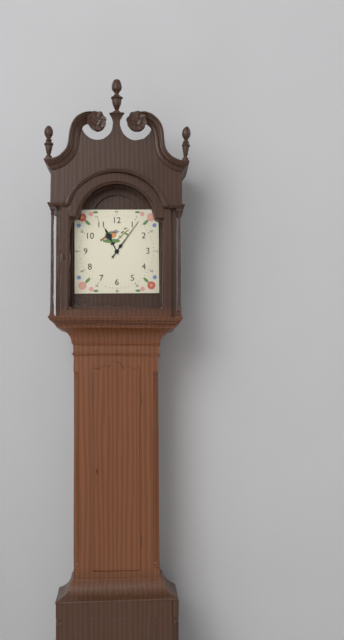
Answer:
11.06
